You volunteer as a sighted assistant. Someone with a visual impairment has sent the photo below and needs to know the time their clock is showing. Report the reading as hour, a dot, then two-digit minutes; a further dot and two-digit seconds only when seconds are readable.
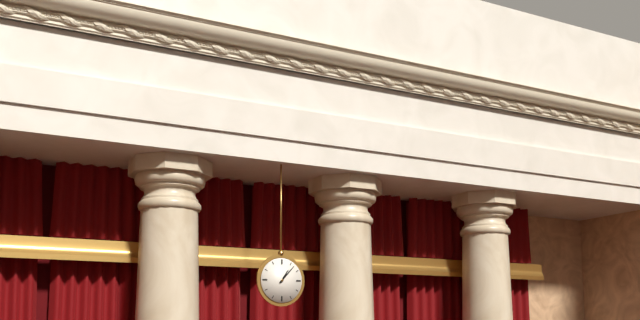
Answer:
1.07
